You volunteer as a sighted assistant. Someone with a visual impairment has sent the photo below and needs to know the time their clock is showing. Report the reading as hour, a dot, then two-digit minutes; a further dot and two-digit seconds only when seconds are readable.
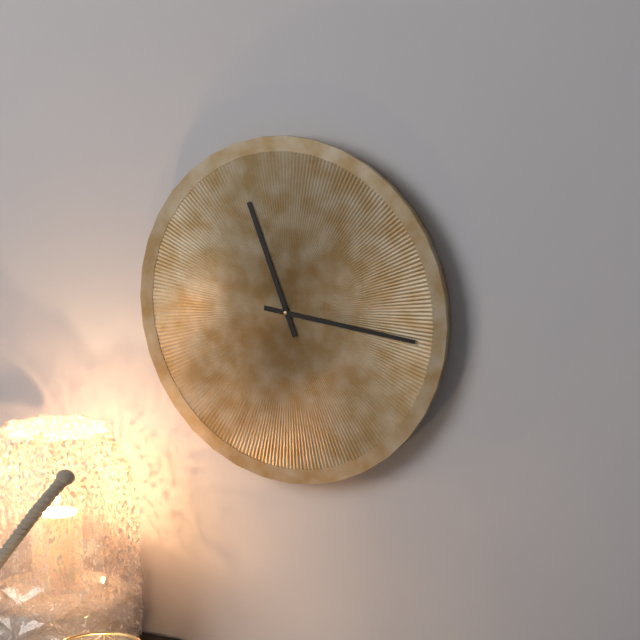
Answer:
11.16
